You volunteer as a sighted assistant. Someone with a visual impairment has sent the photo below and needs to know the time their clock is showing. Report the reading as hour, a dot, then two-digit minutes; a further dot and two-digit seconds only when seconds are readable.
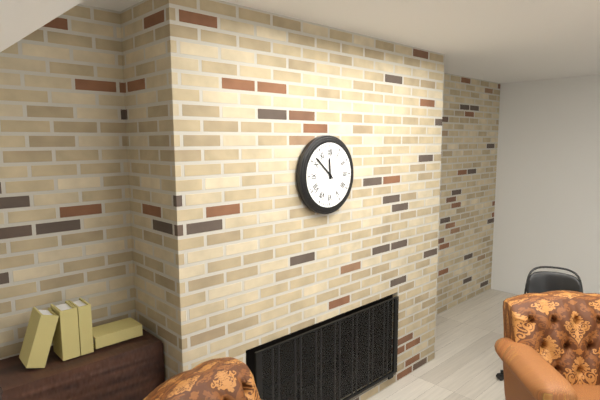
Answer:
11.52
